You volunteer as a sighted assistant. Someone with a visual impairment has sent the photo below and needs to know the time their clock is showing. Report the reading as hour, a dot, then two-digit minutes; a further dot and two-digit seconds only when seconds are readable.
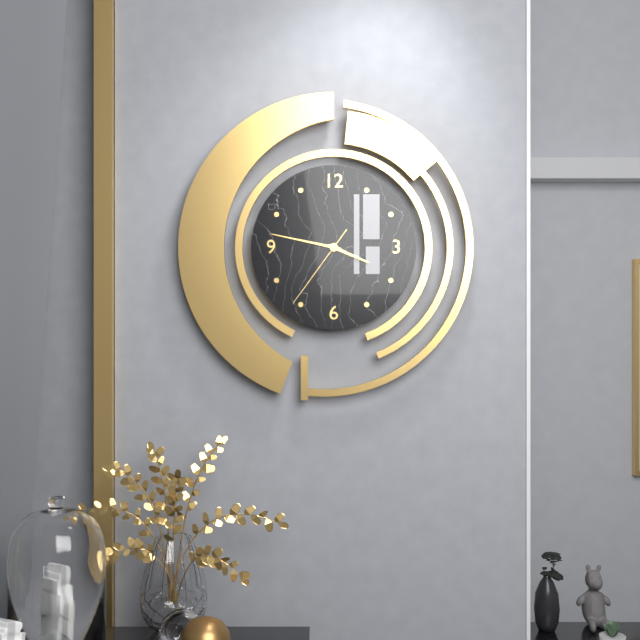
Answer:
3.47.36
